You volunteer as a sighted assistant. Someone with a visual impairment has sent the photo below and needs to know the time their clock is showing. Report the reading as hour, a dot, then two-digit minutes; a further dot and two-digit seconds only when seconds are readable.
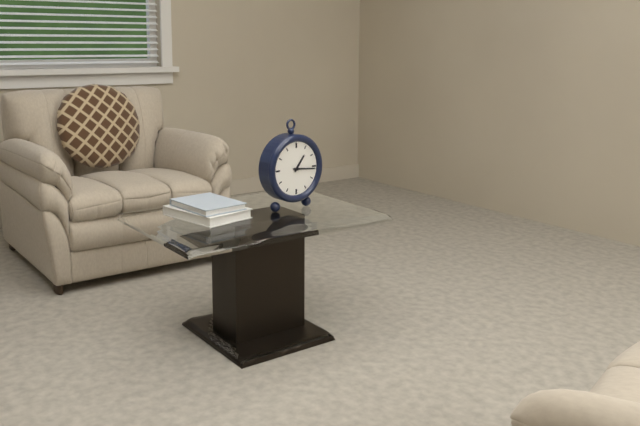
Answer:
1.16
